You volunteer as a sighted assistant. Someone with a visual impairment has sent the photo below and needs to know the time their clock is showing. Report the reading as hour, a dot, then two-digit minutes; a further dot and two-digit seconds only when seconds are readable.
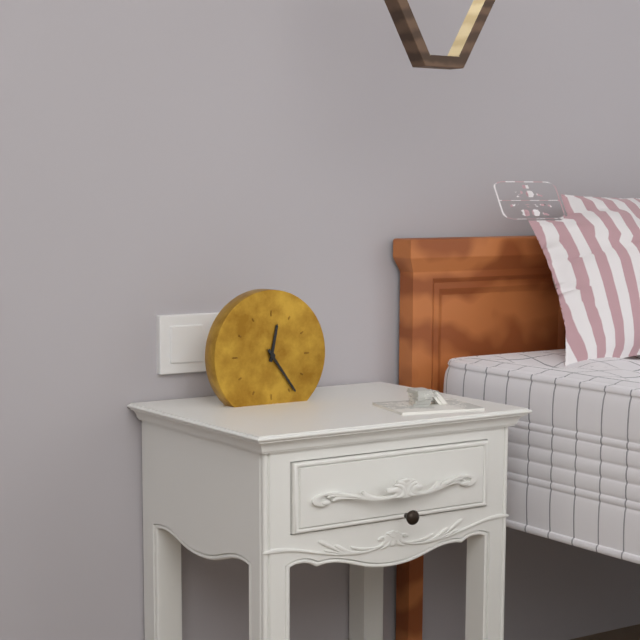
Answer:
12.24
